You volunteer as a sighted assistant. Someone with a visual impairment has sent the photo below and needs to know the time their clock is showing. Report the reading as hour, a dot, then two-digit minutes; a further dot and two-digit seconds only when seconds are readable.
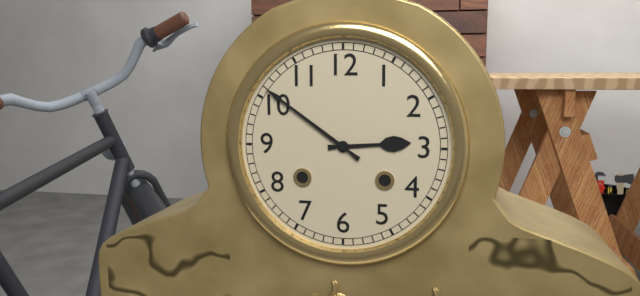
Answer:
2.51
